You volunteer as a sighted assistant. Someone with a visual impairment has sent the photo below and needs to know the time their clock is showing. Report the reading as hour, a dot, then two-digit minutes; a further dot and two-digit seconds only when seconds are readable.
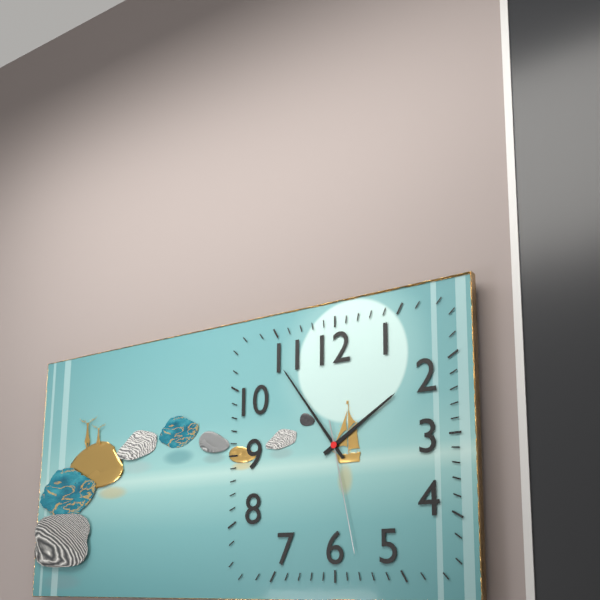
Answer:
1.54.28
